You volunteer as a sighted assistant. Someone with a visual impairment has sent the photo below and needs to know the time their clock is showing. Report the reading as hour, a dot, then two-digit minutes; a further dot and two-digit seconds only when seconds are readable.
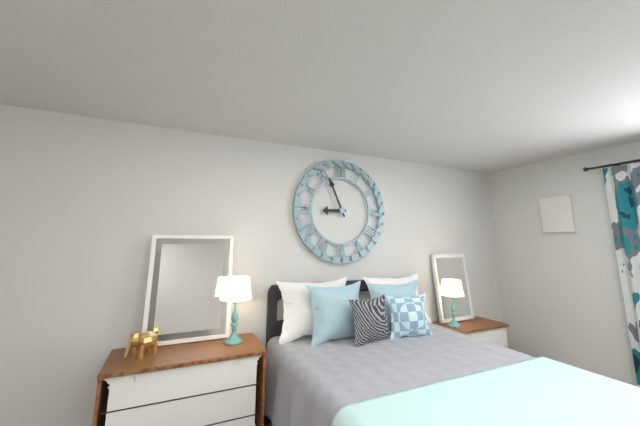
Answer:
8.56
